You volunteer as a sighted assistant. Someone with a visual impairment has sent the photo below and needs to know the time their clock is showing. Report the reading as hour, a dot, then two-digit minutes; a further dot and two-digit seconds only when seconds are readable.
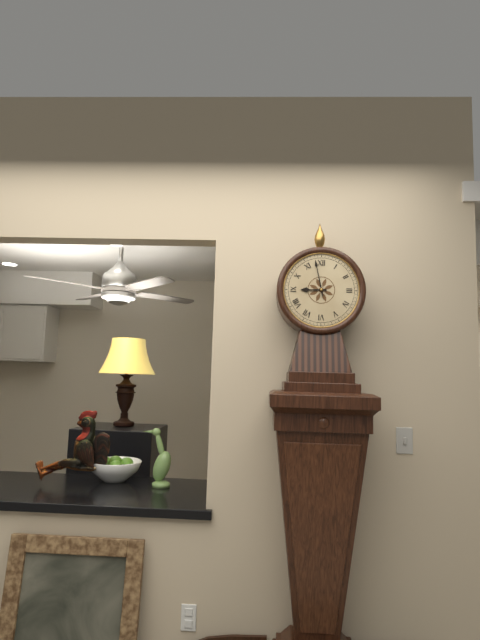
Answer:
8.58
